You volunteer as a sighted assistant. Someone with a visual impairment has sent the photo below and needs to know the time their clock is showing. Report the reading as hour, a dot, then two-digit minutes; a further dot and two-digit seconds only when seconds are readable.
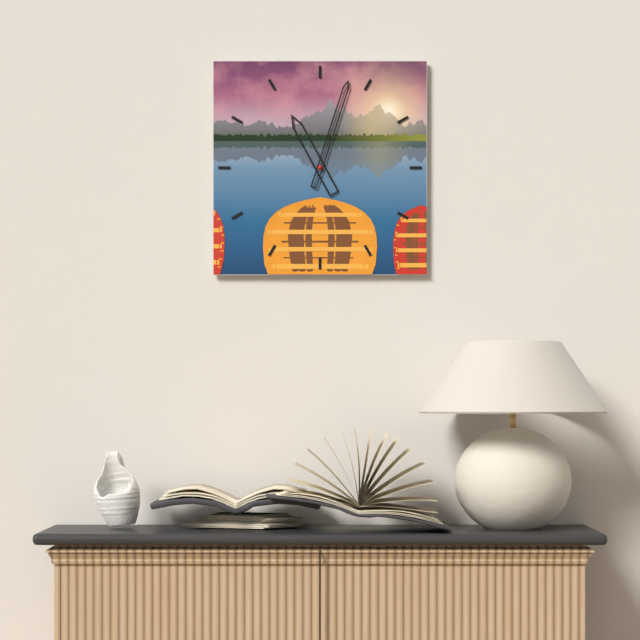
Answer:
11.03
